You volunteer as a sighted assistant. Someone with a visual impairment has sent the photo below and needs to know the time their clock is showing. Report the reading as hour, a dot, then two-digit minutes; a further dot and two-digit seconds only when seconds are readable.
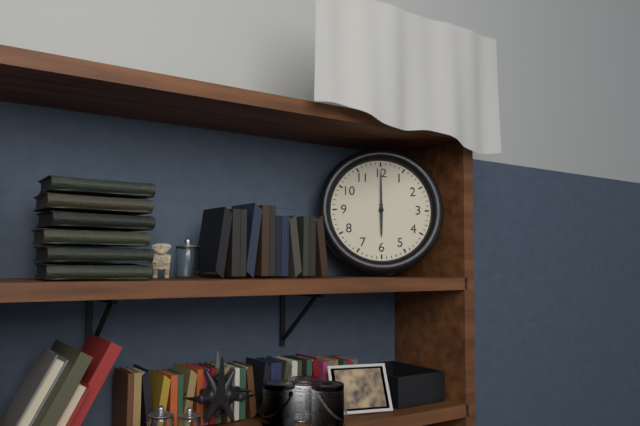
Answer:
6.00
